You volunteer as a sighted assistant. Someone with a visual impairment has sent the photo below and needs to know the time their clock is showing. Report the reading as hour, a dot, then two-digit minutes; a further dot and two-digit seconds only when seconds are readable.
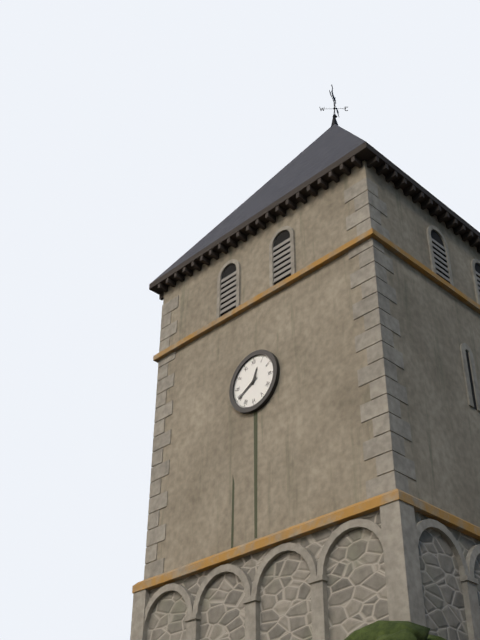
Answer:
12.40
